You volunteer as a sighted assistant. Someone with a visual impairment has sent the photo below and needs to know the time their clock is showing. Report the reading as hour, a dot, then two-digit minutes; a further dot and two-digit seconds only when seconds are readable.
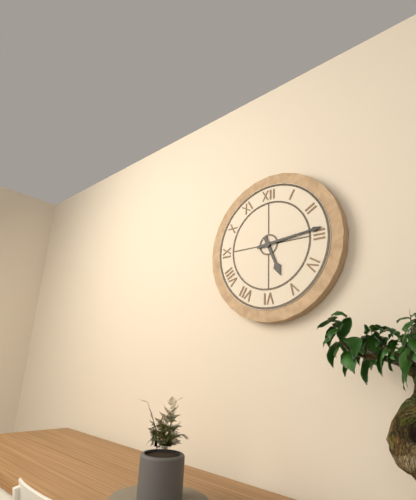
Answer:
5.14
